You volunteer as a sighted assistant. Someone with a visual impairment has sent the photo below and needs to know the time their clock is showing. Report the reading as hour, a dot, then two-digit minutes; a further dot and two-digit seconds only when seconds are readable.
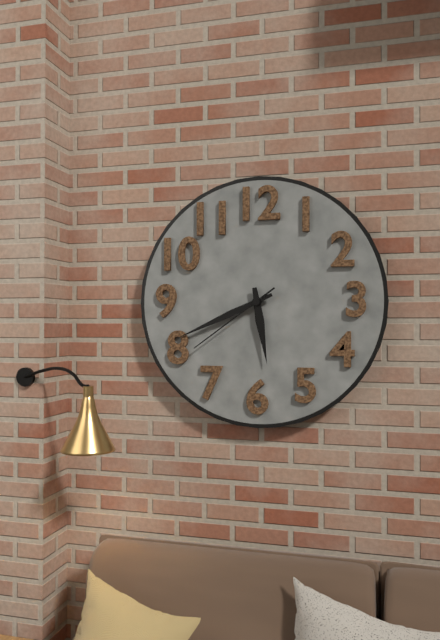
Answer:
5.41.39
